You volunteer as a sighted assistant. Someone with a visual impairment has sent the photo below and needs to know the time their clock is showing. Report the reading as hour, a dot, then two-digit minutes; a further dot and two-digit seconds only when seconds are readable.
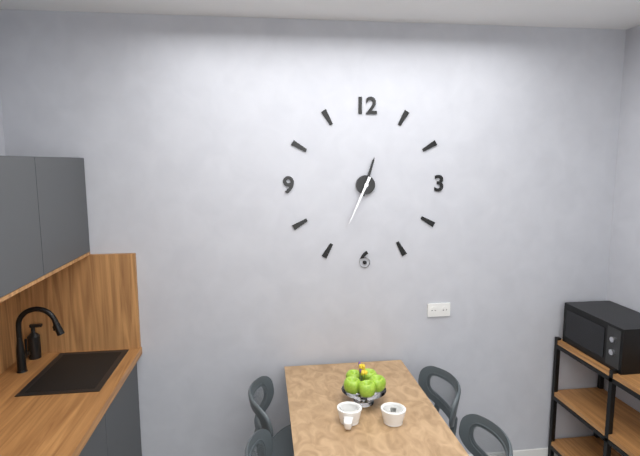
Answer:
12.34
